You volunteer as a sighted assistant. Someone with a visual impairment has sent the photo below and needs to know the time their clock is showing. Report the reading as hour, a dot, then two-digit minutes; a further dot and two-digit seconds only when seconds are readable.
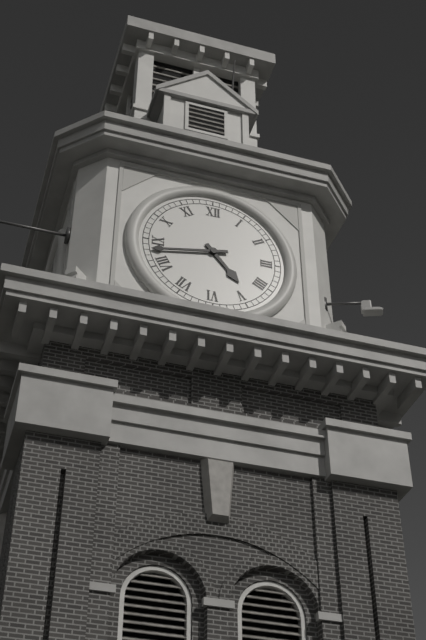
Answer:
4.43
